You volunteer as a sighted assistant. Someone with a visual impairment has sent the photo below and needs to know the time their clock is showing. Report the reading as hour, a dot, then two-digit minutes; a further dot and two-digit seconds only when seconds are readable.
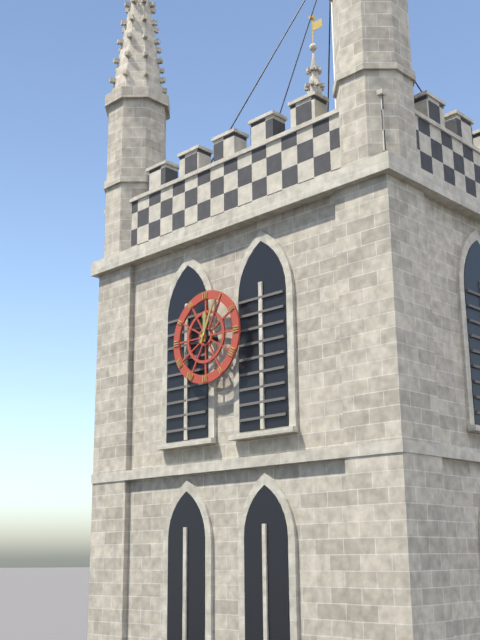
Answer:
12.04
